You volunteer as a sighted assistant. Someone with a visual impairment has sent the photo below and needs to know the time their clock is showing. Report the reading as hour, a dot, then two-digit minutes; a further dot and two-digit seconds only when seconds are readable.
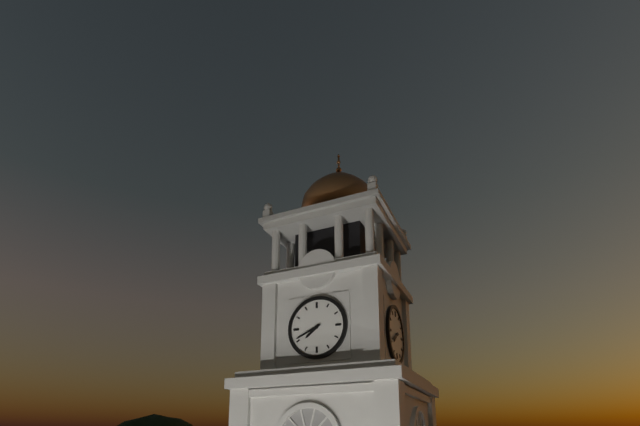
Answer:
7.41
